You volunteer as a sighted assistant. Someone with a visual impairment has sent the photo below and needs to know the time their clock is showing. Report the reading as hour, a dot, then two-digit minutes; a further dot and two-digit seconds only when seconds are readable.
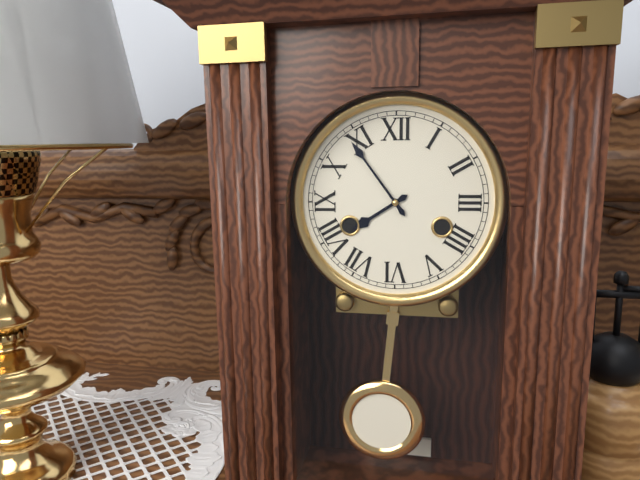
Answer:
7.54
